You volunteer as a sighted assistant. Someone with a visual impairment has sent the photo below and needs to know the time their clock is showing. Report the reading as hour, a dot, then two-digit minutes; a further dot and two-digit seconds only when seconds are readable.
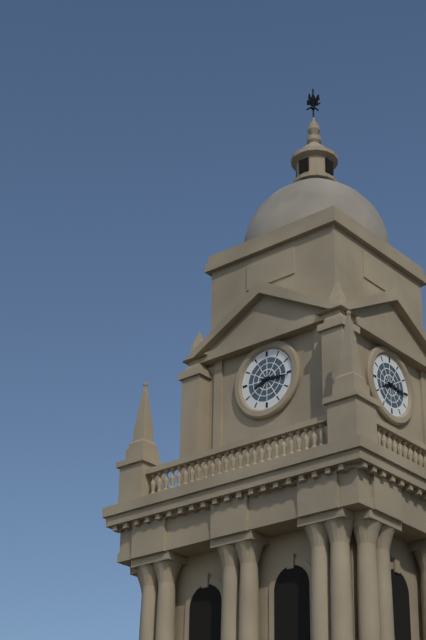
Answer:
8.16
